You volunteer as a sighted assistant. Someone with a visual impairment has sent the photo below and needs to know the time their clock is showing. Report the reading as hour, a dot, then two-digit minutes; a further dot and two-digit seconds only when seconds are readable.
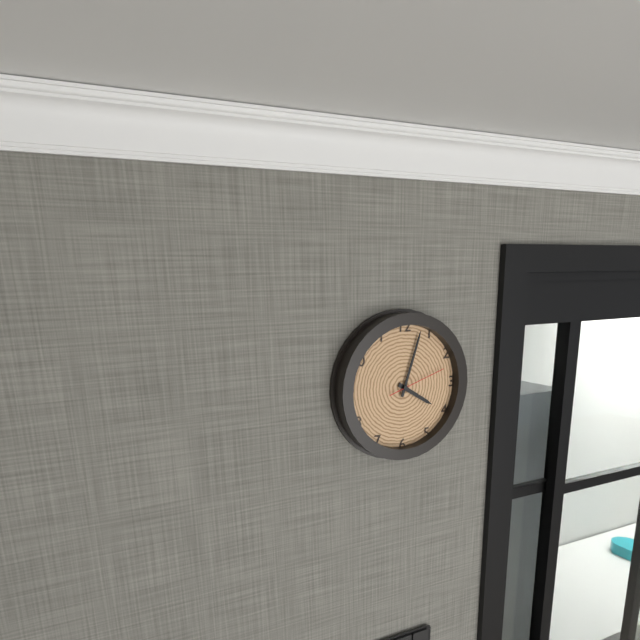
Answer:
4.03.12
